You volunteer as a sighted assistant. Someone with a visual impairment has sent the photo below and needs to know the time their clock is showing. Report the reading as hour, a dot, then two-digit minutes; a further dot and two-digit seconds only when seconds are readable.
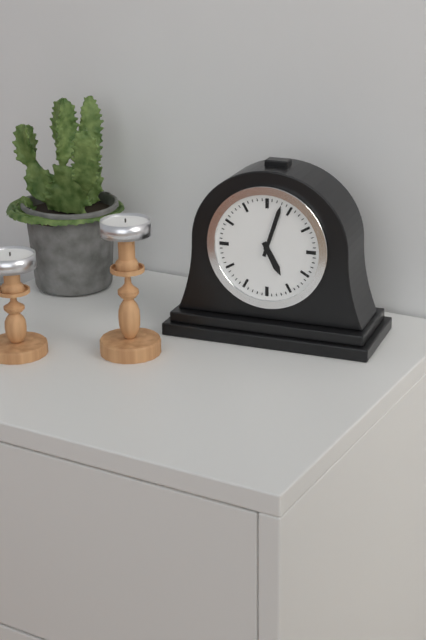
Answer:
5.03
